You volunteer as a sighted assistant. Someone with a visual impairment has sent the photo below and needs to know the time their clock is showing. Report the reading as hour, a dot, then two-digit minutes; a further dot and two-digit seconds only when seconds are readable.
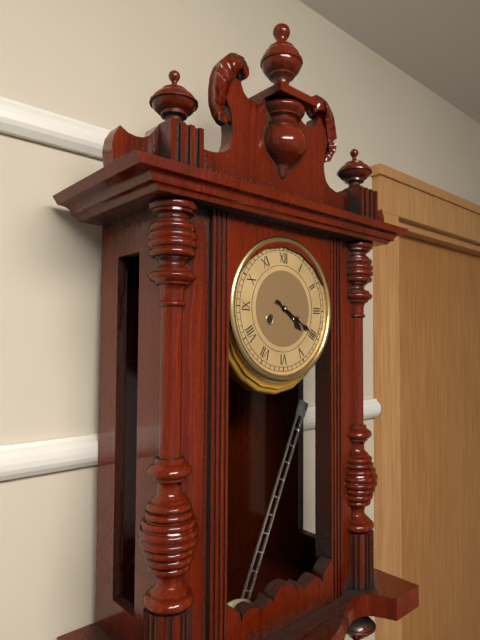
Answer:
4.20
